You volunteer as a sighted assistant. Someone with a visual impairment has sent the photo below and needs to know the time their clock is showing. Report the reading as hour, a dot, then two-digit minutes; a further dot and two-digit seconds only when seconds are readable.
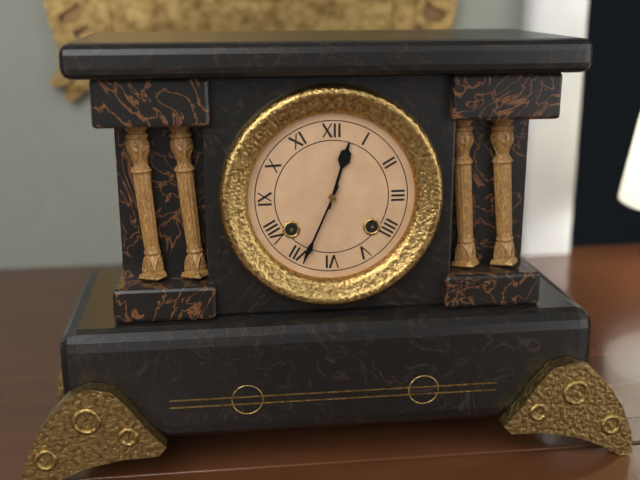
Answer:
12.34
